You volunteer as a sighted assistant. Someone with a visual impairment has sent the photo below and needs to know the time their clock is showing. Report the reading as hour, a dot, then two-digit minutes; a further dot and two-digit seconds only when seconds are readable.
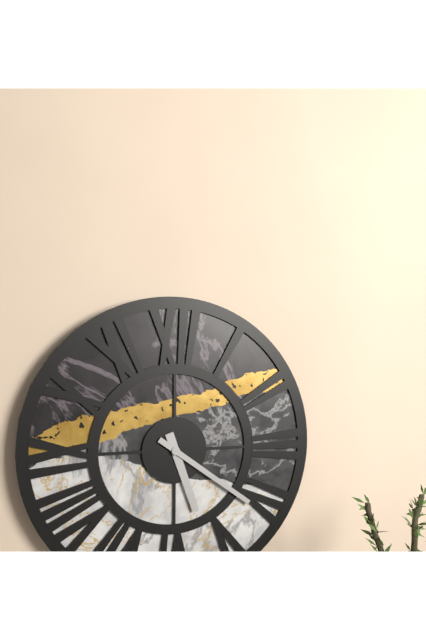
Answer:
5.21
